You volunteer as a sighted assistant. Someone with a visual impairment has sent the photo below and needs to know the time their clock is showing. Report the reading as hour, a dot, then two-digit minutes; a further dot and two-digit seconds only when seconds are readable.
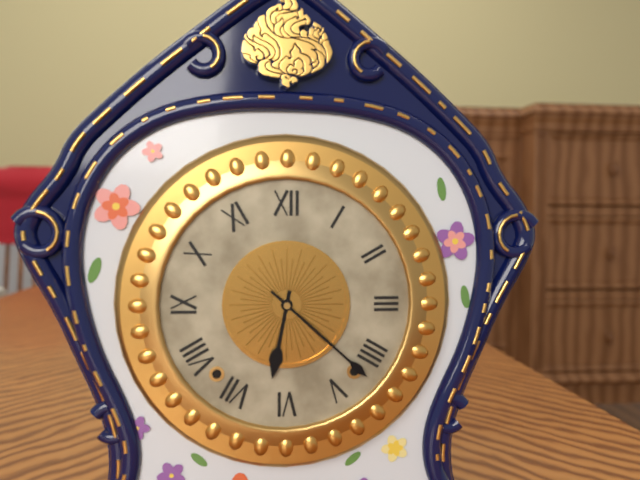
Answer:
6.22
